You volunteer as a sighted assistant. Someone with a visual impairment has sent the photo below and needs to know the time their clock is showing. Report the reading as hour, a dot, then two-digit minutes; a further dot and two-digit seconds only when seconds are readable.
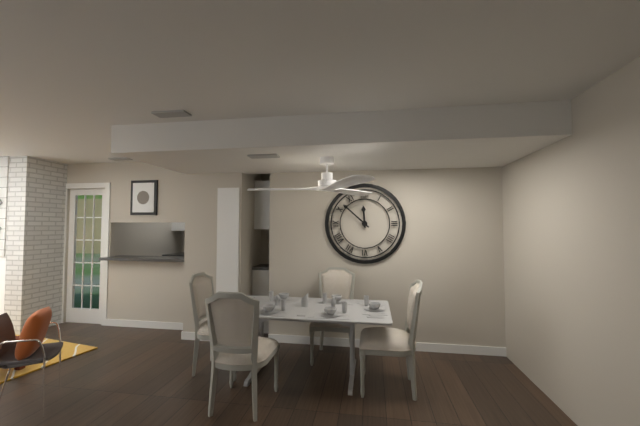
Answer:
11.52
